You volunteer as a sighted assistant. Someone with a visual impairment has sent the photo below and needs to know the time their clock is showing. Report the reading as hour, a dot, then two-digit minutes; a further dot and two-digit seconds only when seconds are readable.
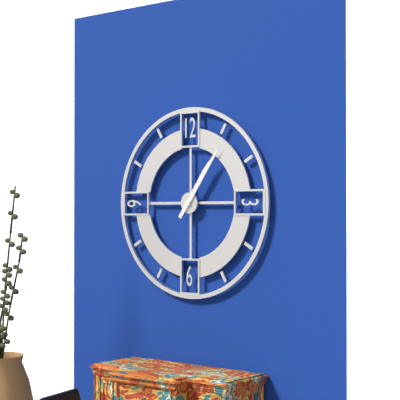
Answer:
1.06
